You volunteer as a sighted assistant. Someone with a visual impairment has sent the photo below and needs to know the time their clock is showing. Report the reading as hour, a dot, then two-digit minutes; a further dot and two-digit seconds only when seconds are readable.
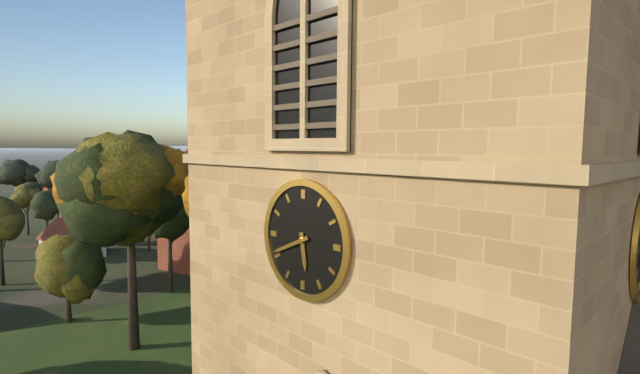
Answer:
5.41
